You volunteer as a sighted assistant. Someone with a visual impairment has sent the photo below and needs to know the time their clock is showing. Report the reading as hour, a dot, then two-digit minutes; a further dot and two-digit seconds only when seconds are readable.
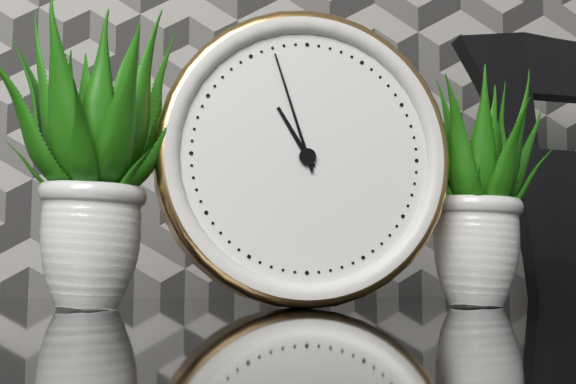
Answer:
10.57
